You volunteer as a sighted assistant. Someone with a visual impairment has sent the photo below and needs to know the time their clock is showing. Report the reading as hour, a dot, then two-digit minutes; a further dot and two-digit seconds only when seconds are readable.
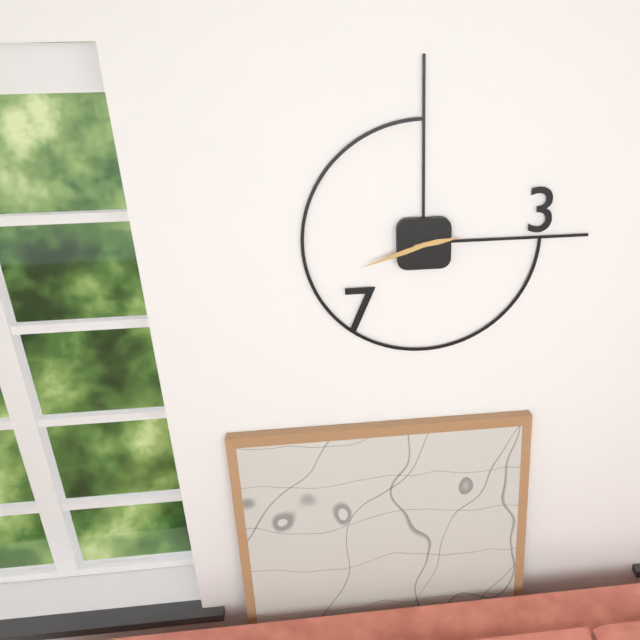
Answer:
2.42
